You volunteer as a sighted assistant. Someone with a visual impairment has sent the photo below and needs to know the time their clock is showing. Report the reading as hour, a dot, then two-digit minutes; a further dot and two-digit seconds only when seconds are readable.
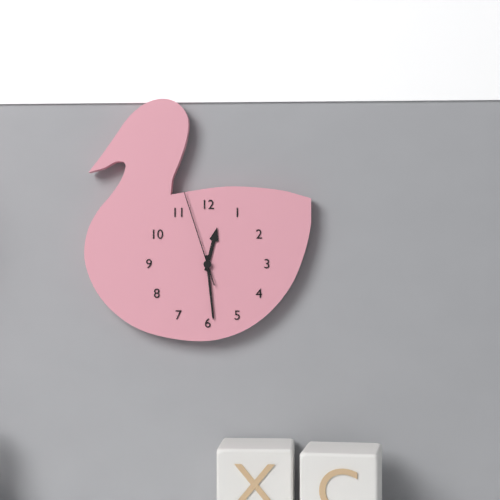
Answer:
12.29.57
